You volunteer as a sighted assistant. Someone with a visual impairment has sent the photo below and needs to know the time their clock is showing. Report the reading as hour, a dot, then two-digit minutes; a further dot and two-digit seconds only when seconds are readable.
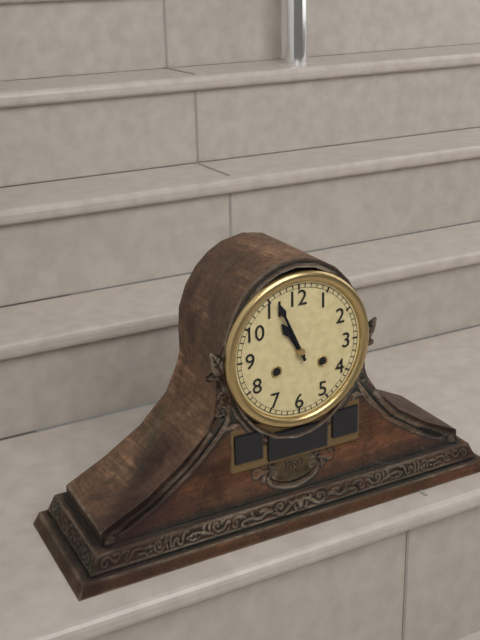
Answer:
10.56
